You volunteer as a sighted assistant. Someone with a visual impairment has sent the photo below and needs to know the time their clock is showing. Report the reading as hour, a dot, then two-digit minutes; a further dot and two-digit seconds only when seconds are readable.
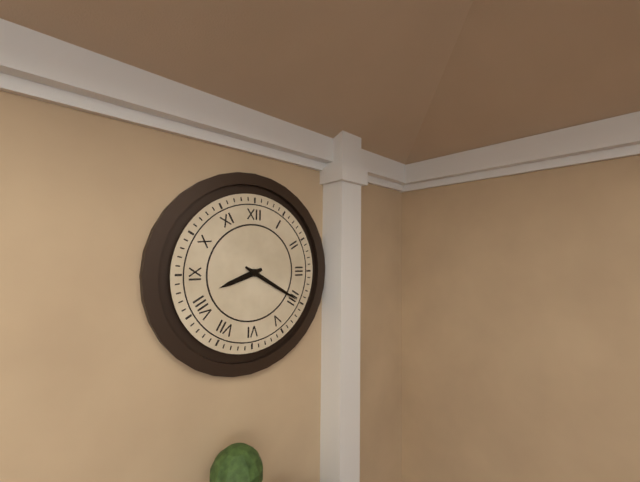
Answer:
8.20
